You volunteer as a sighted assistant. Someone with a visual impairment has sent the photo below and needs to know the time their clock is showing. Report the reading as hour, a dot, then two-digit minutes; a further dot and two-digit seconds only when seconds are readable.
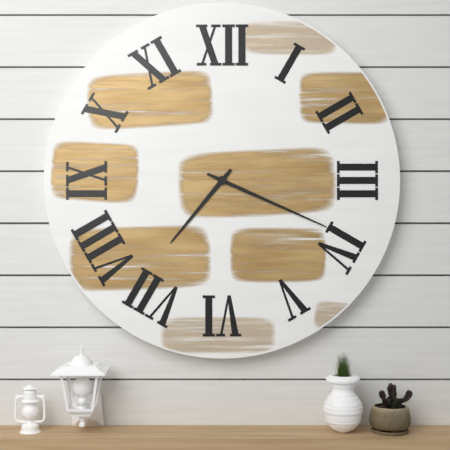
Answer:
7.19
